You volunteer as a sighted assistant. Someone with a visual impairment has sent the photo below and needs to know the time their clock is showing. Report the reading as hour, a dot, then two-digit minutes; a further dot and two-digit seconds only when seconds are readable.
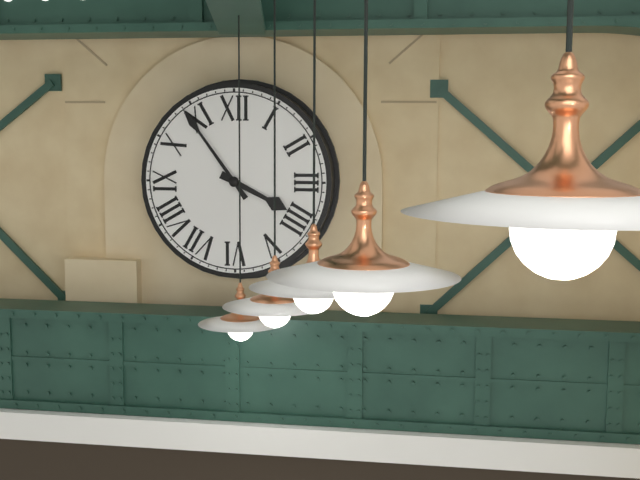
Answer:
3.54
